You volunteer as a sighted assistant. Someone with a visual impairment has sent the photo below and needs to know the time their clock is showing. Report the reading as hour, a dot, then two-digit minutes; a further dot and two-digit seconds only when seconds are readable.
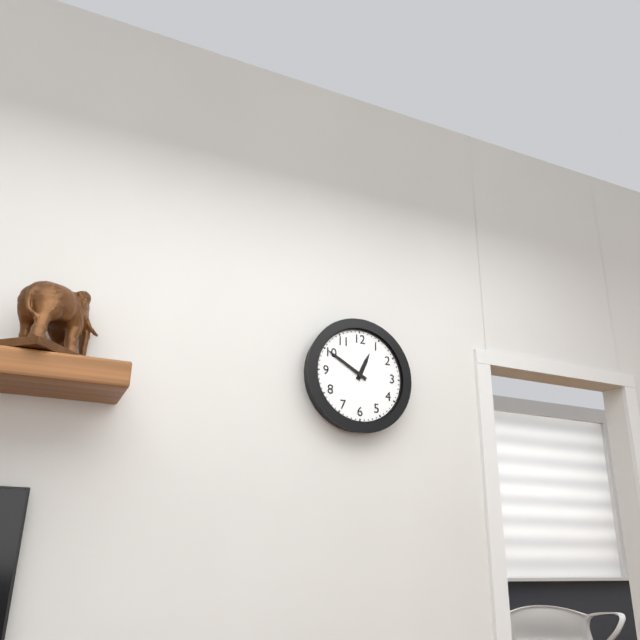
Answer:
12.50
